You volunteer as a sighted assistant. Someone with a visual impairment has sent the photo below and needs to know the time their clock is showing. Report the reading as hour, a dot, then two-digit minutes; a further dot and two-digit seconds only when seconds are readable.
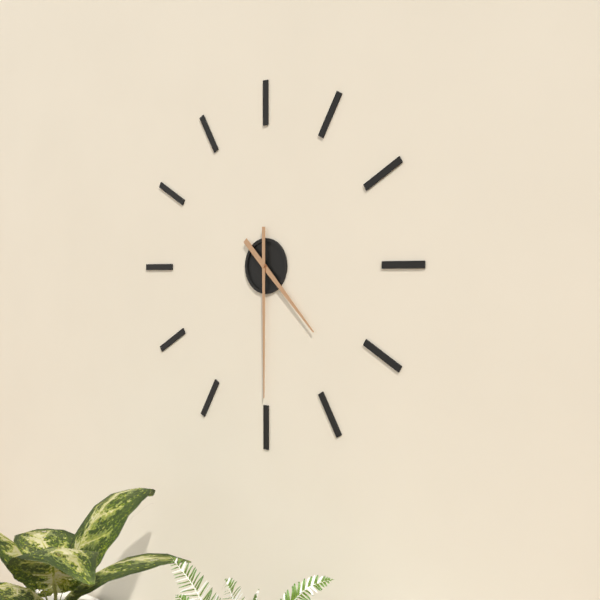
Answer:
4.30
